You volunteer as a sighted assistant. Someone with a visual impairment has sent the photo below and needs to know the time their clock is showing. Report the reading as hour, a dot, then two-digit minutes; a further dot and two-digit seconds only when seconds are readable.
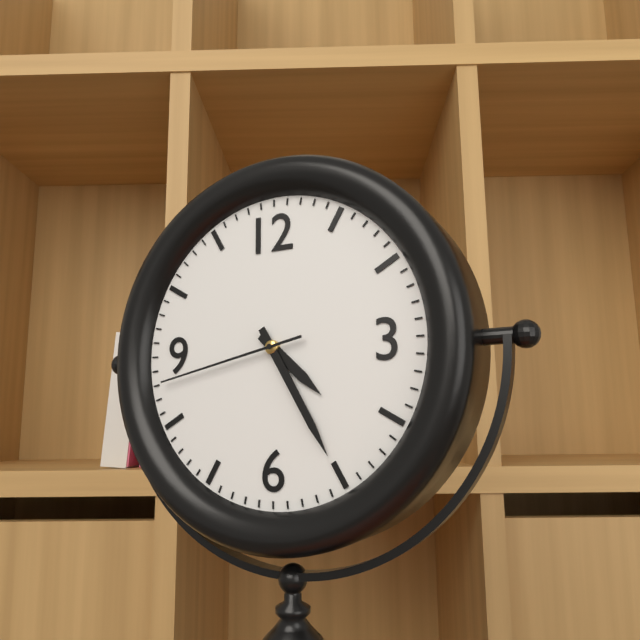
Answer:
4.25.43
